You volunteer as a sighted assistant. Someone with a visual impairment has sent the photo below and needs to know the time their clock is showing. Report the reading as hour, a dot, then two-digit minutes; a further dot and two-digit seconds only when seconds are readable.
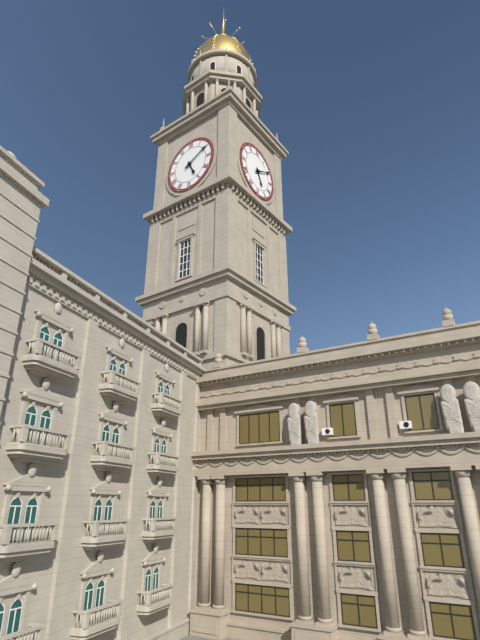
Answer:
5.10
